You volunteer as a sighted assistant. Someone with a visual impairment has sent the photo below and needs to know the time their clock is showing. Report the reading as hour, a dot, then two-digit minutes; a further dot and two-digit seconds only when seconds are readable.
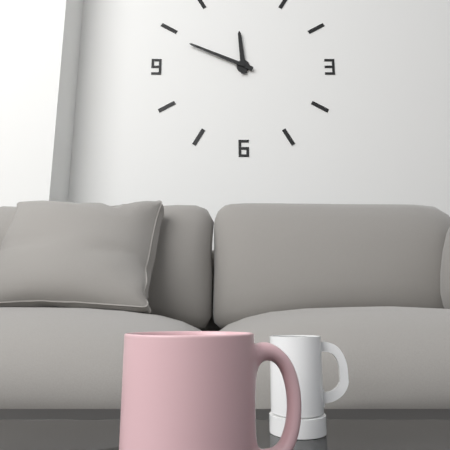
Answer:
11.49
